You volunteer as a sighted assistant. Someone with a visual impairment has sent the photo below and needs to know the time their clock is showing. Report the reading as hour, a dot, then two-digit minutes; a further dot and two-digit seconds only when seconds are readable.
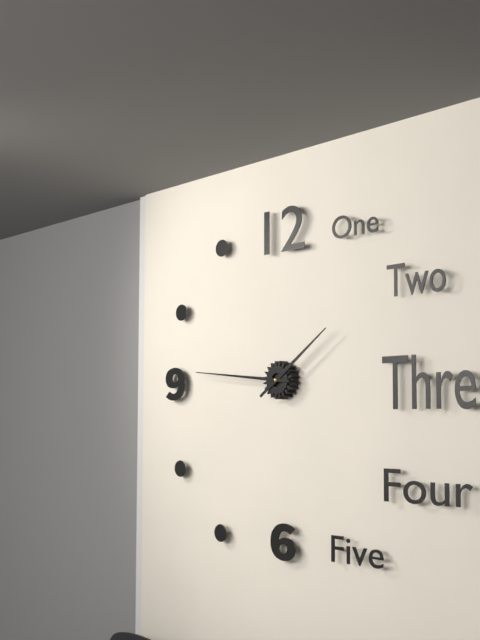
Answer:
1.46
